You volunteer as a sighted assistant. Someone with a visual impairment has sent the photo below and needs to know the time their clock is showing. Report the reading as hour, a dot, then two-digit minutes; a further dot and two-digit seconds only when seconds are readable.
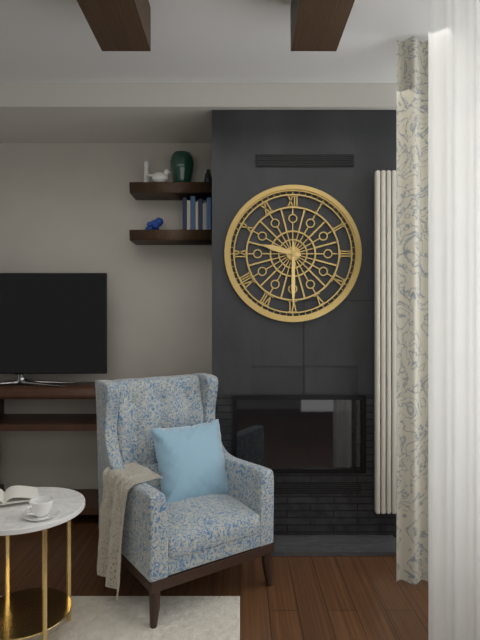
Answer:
9.30
